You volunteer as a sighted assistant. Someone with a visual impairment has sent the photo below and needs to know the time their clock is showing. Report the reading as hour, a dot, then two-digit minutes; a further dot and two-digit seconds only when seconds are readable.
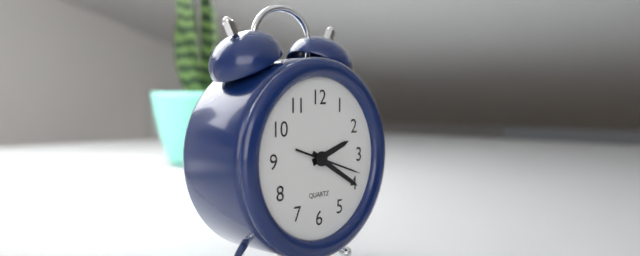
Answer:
2.20.18
